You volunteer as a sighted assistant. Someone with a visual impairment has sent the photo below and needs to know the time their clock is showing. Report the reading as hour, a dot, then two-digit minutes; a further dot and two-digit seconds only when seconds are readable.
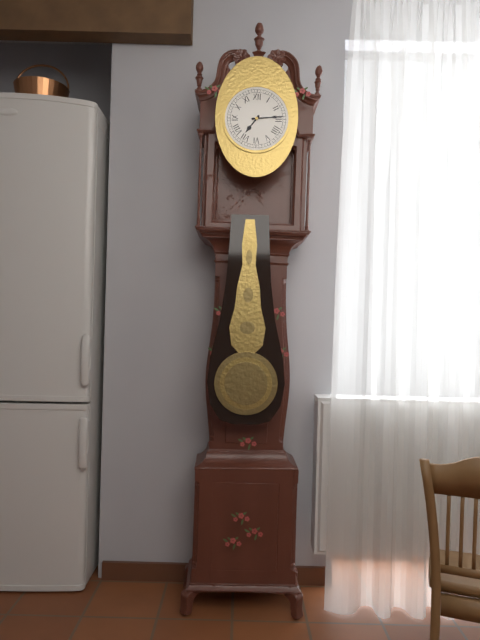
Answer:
7.14
